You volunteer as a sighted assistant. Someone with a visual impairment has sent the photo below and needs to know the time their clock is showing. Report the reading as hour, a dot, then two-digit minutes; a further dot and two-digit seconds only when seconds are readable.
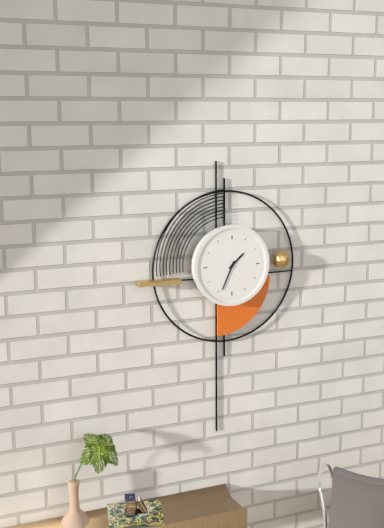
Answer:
1.34
